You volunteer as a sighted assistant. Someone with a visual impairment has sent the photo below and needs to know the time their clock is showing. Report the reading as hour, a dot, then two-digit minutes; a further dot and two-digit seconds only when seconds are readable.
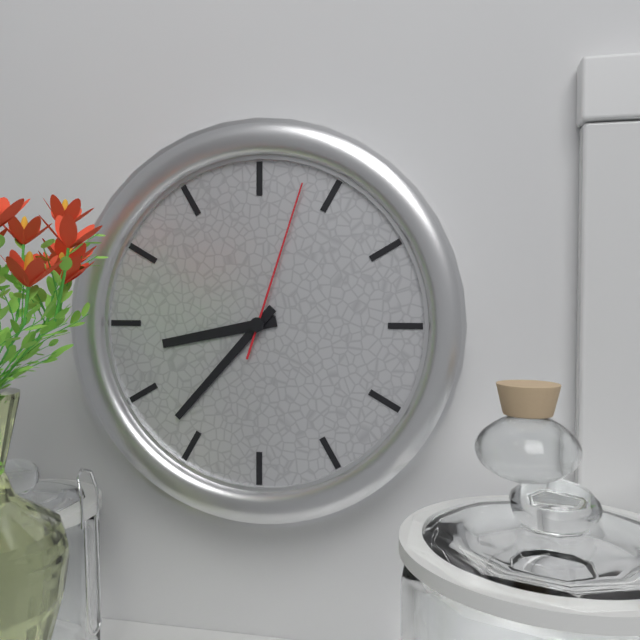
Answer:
8.37.03
